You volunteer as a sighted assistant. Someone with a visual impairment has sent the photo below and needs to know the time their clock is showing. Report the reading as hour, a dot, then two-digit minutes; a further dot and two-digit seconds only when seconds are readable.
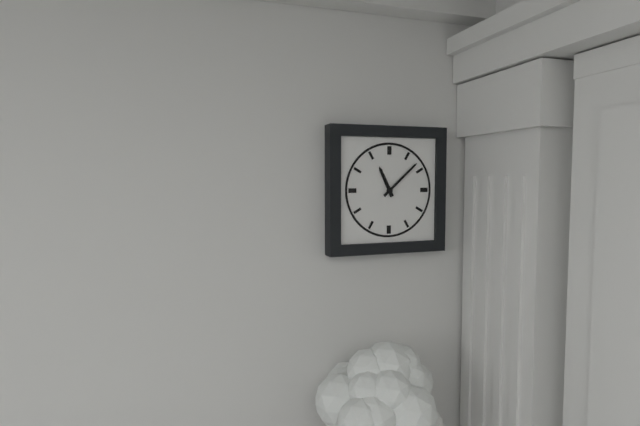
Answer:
11.08
